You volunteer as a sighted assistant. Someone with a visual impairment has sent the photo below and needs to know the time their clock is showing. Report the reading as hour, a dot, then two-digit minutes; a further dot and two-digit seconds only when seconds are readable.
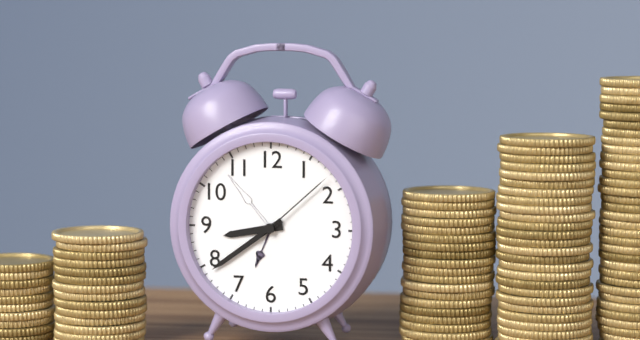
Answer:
8.39.08
